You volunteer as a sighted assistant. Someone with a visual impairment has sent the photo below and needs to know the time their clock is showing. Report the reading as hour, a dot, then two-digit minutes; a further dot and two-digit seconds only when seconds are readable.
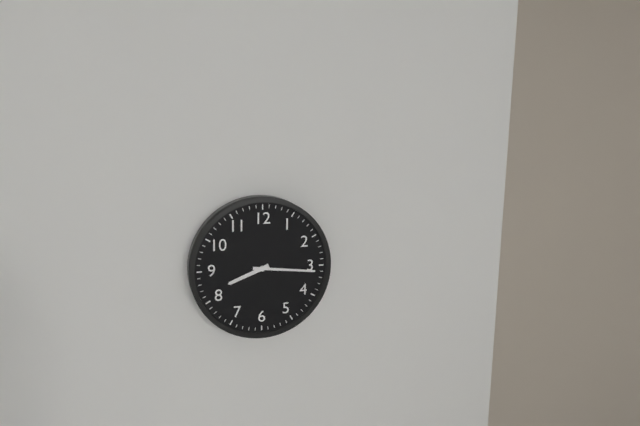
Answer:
8.16
